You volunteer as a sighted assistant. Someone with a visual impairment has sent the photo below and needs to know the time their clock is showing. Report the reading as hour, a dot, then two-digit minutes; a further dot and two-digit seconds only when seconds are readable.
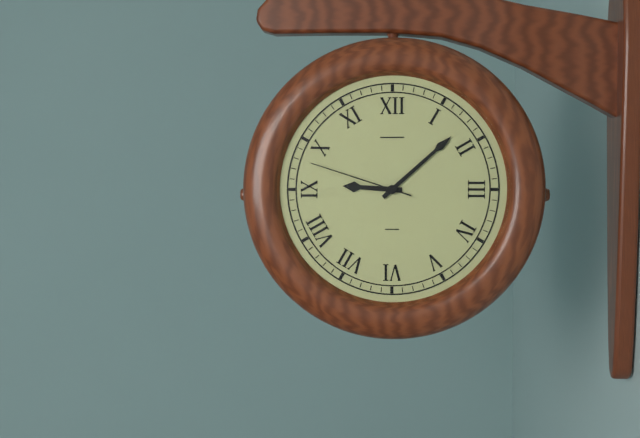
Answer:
9.08.48
